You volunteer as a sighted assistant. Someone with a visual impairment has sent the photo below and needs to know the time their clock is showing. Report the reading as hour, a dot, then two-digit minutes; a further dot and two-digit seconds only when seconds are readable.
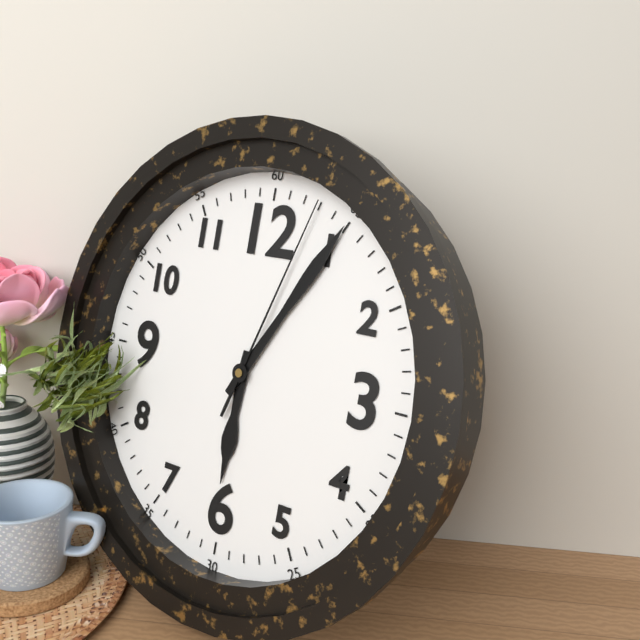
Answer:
6.05.03
